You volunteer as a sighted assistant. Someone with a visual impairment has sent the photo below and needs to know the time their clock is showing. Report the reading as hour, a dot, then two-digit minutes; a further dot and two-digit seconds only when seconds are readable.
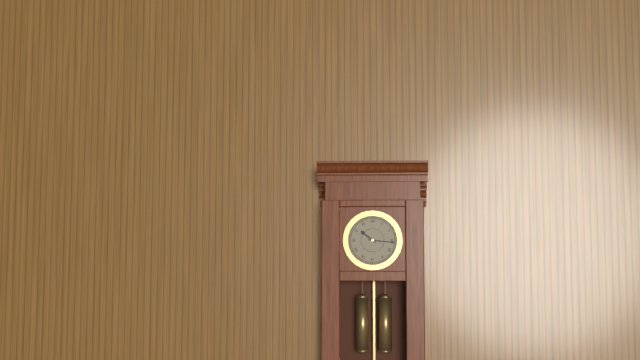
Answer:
10.16
